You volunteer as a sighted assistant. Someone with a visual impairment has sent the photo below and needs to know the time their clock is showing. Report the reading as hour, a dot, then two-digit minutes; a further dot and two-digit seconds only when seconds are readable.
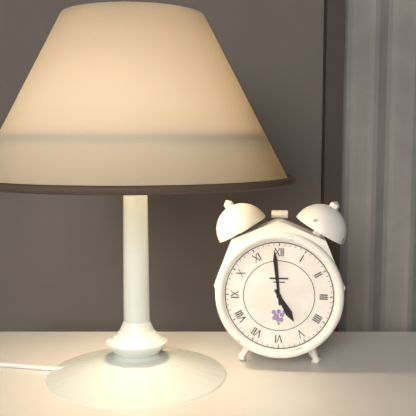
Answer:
4.59
